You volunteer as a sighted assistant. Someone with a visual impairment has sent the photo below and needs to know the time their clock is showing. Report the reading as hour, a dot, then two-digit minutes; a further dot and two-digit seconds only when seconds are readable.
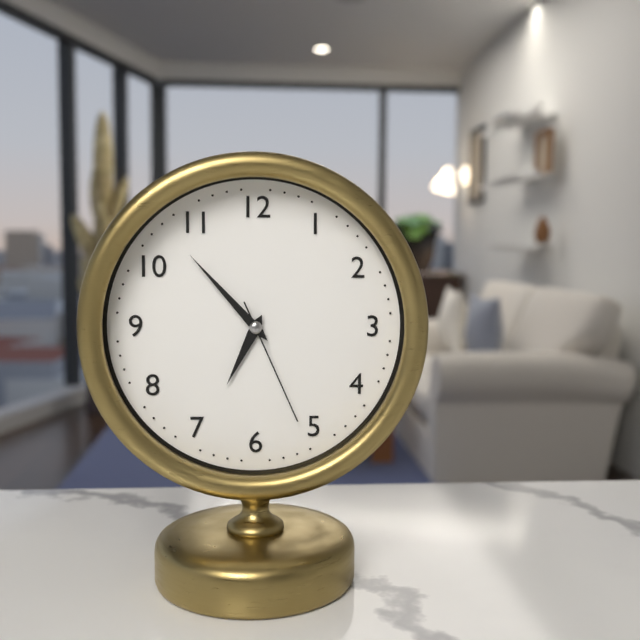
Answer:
6.53.26
